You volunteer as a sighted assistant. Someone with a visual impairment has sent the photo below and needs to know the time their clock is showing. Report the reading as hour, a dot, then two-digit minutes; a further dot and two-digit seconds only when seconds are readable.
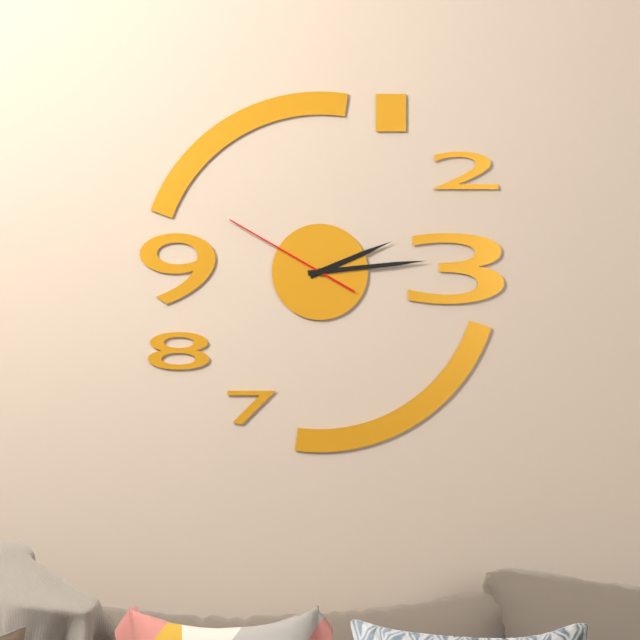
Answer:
2.14.50
